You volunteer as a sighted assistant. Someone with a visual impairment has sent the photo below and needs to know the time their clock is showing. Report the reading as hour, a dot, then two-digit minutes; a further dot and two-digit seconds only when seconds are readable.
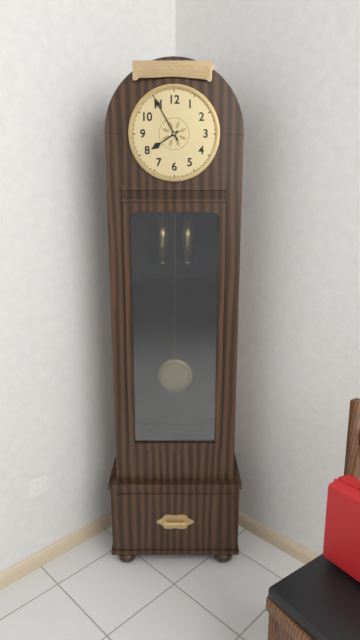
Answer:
7.55
